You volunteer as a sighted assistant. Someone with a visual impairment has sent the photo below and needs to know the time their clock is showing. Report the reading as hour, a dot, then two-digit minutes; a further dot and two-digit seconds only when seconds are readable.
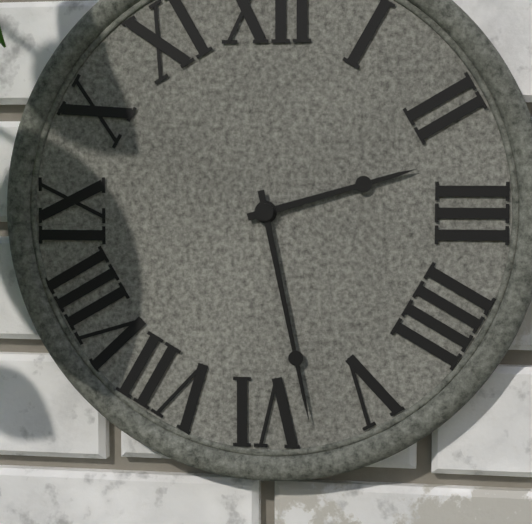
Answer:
2.28
